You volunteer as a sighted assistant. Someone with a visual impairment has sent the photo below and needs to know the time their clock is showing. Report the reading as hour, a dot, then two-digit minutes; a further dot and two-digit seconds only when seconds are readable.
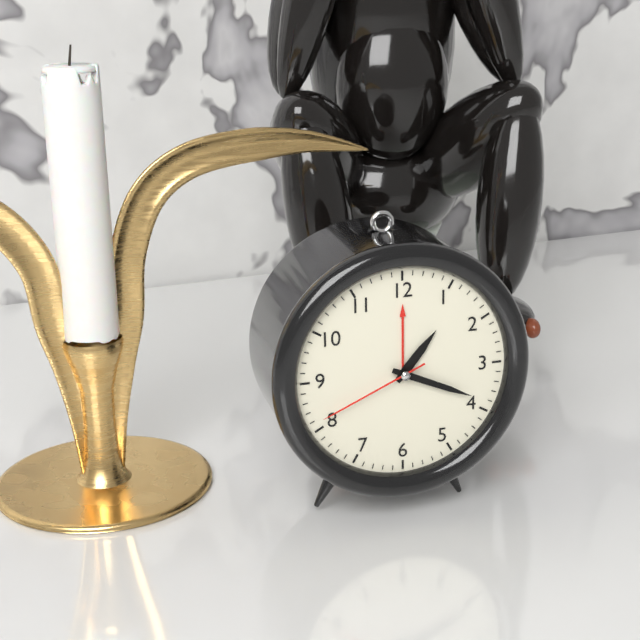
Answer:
1.19.41
